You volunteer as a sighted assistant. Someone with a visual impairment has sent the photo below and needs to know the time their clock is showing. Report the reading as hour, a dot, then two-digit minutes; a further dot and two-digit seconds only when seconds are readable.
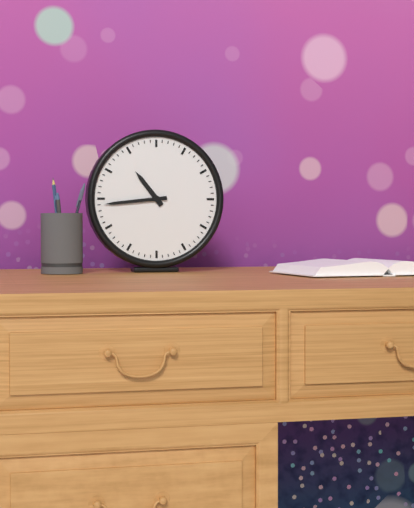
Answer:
10.44
